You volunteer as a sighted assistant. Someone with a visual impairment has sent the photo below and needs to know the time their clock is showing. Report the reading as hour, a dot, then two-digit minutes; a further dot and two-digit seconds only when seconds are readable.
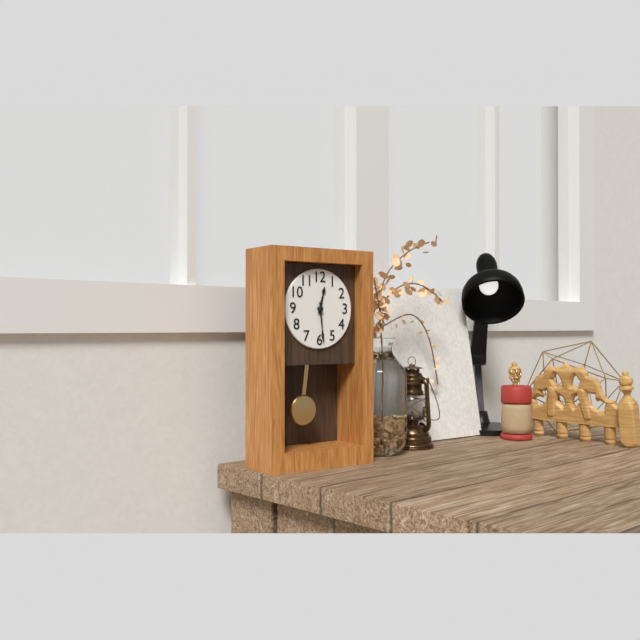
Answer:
12.29
